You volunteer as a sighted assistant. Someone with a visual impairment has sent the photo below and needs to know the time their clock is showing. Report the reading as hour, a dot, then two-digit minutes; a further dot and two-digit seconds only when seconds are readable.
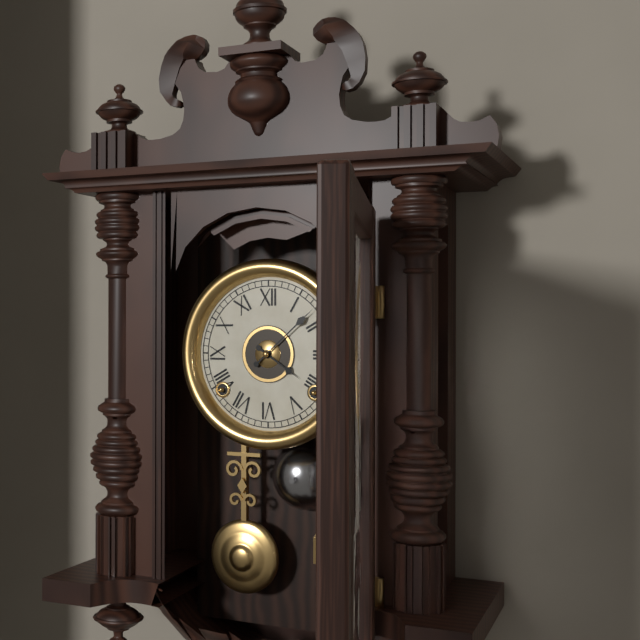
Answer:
4.08
